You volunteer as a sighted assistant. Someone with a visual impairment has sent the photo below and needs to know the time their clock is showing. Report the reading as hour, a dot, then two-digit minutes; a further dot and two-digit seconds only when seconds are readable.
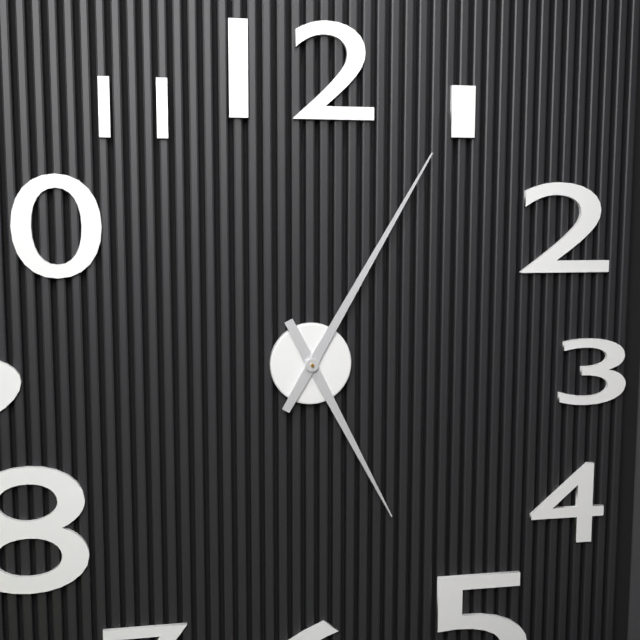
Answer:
5.05
